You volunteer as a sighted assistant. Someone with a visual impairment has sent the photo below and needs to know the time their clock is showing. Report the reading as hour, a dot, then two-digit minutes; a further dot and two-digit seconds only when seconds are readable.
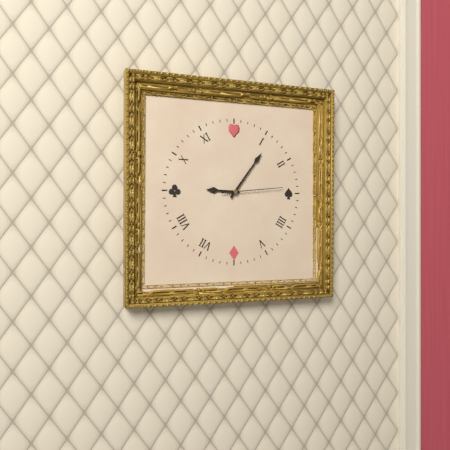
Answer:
9.06.14
